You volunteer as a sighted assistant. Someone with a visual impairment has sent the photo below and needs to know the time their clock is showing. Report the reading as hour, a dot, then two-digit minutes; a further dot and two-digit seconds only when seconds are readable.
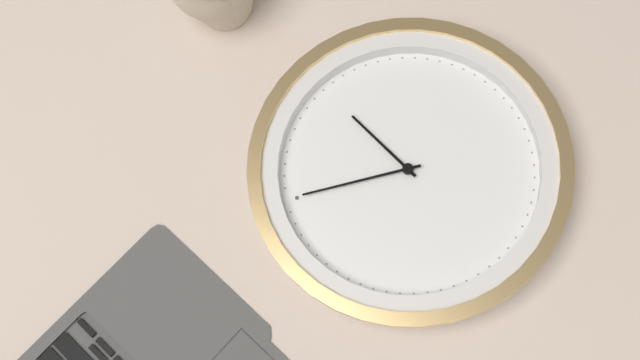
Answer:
2.00
